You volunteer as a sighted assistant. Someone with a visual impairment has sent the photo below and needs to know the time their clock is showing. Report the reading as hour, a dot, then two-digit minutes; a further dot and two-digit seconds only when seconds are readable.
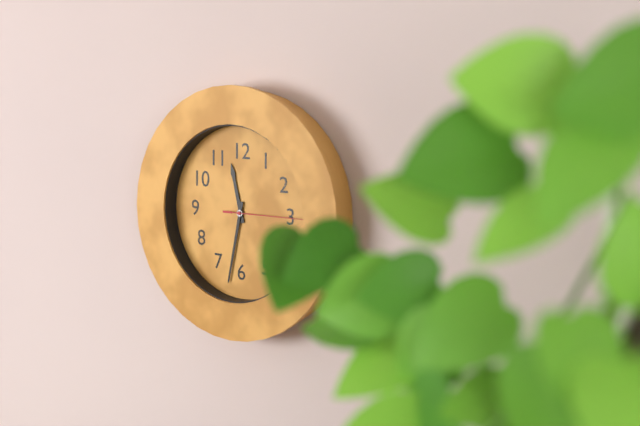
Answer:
11.32.15
